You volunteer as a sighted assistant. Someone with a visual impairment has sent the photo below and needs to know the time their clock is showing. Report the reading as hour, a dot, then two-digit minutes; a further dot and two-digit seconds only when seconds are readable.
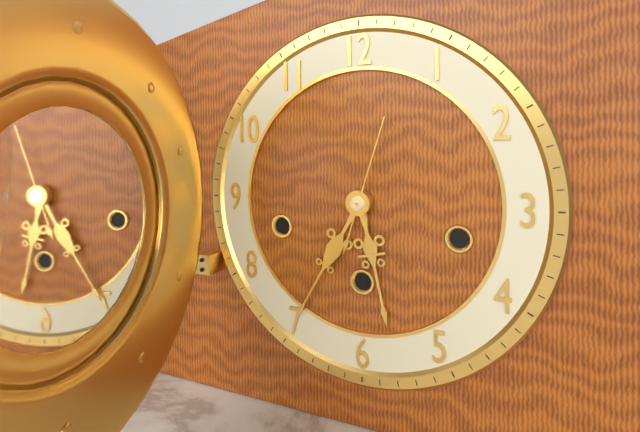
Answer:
5.35.03
